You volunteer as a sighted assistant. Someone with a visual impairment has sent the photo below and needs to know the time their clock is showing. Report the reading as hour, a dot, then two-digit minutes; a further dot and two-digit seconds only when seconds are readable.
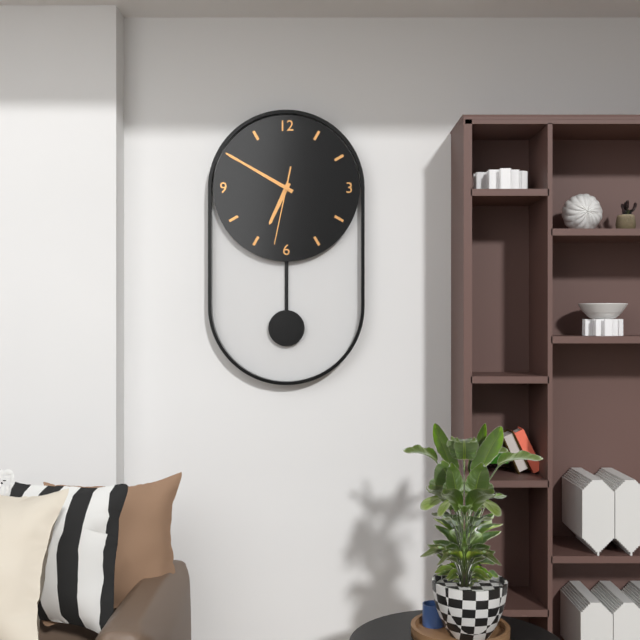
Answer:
6.50.32
